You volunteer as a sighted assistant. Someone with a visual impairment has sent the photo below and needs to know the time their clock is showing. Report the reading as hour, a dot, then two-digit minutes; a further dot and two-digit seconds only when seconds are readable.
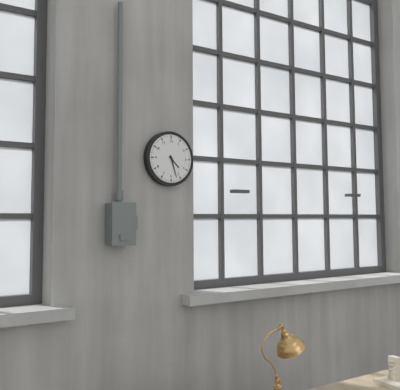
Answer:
4.27
